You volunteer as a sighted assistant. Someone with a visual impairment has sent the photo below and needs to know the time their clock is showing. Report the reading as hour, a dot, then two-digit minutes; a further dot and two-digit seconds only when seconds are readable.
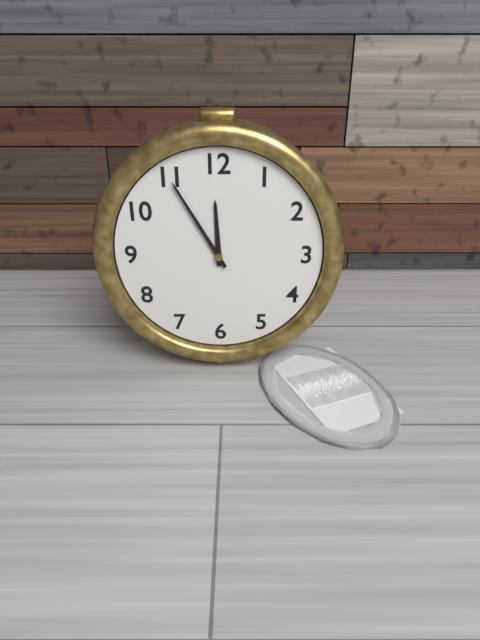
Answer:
11.55
